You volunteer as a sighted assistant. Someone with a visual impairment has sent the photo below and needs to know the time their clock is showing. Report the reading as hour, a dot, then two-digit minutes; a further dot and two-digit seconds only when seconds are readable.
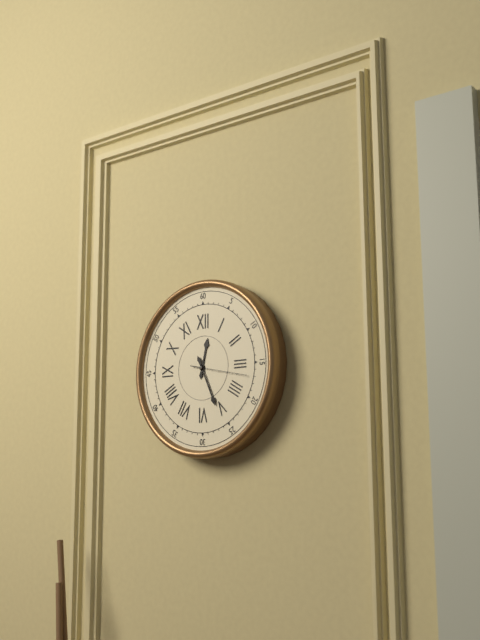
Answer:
12.26.17
